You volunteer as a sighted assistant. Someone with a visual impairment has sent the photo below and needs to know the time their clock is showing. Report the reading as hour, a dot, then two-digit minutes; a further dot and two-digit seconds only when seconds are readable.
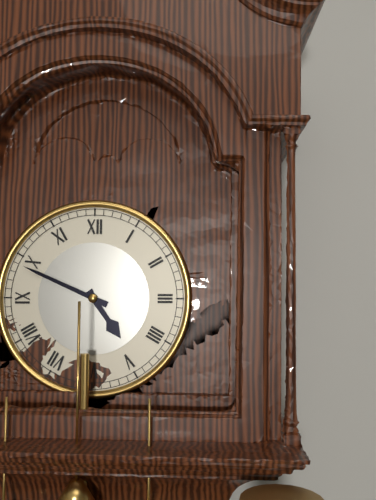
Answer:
4.49
